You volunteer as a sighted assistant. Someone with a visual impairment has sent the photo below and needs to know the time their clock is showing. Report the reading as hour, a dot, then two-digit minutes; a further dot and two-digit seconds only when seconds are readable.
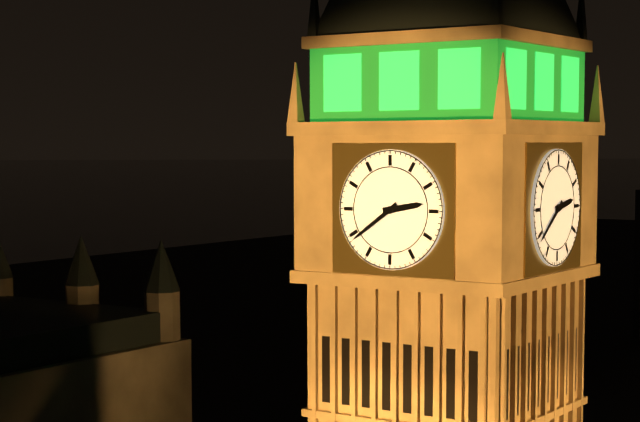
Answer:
2.39
